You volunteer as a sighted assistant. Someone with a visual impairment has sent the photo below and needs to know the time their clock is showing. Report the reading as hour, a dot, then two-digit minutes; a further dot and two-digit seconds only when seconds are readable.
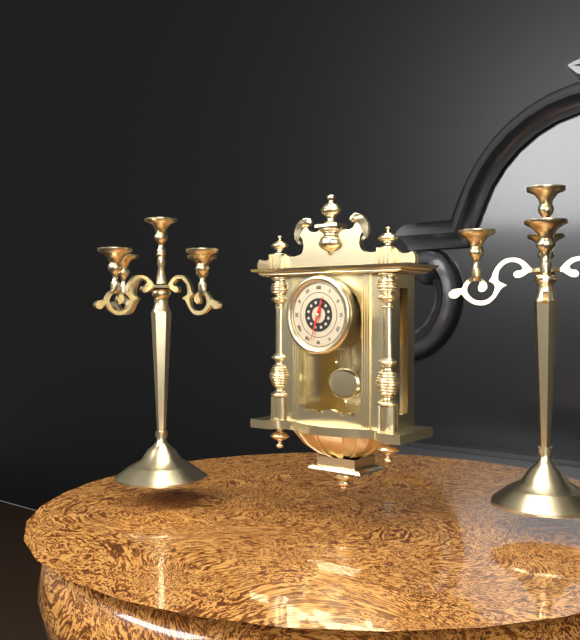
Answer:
12.33
